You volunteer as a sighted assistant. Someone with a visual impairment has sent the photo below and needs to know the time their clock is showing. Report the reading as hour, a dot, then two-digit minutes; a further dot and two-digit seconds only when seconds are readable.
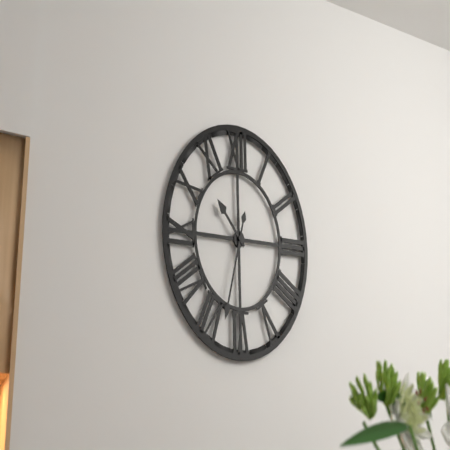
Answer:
10.33
